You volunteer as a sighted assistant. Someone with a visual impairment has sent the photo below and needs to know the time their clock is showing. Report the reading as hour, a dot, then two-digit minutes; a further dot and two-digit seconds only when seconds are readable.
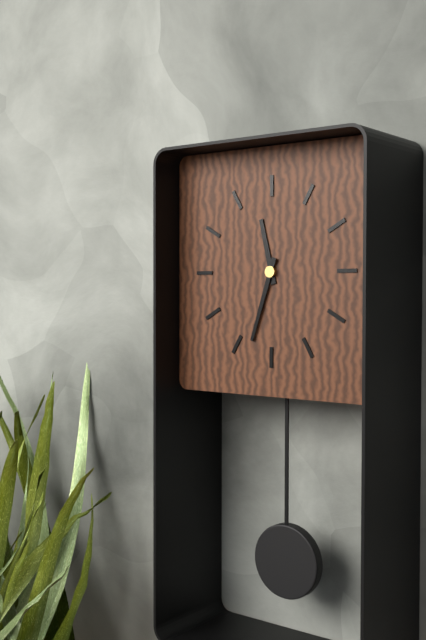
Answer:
11.33
